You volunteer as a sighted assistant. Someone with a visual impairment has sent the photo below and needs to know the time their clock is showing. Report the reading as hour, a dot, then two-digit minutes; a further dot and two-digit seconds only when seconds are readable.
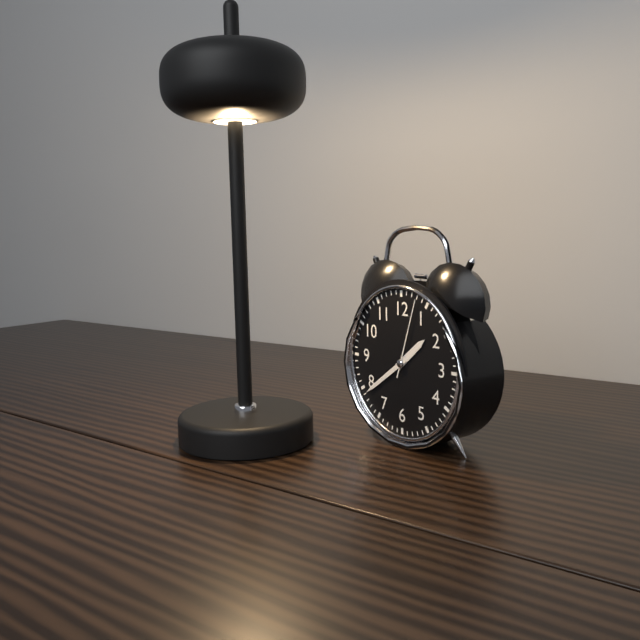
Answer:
1.39.03
